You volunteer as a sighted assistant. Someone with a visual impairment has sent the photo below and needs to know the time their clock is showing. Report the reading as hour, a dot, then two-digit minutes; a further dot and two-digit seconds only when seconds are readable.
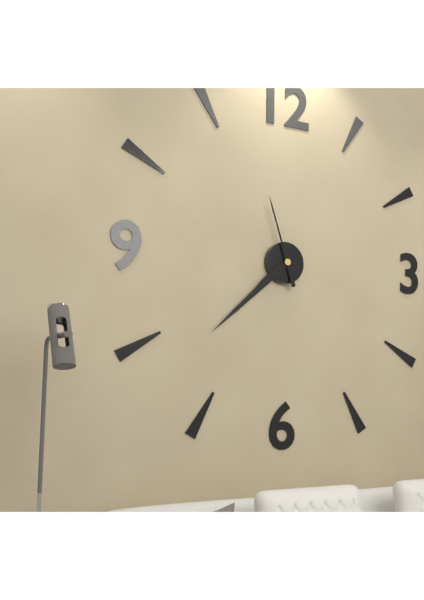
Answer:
7.38.57
